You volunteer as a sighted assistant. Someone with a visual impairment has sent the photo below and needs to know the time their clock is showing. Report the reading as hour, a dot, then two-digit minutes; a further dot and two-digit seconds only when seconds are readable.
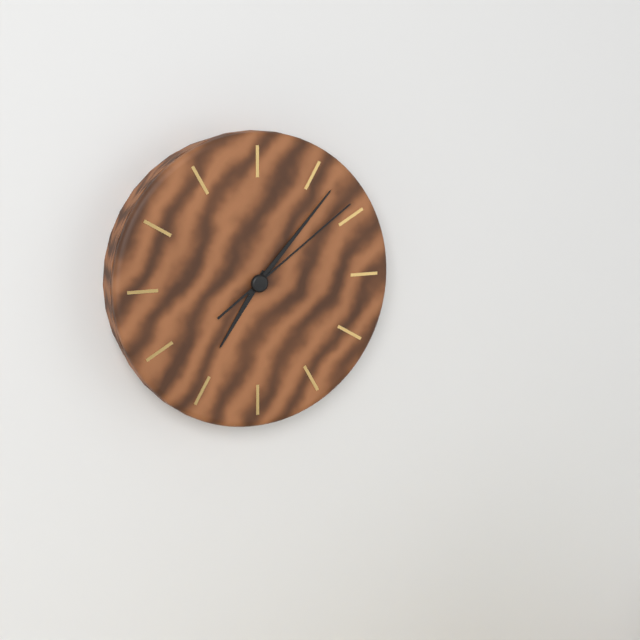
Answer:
7.07.09
